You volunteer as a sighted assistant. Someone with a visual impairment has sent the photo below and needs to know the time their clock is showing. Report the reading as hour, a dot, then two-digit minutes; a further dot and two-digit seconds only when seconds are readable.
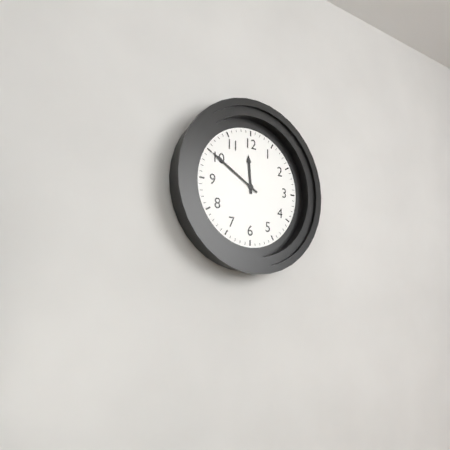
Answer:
11.50
